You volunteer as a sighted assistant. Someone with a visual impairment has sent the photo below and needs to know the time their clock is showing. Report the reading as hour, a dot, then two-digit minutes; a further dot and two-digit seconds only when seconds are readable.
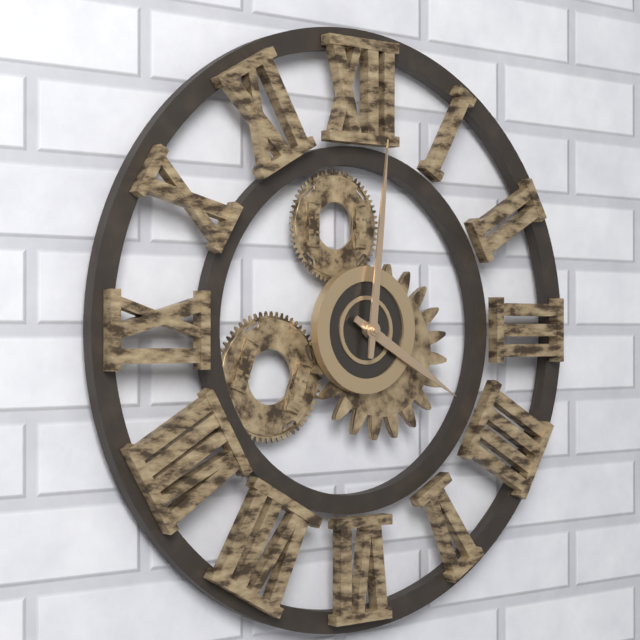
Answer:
4.01
